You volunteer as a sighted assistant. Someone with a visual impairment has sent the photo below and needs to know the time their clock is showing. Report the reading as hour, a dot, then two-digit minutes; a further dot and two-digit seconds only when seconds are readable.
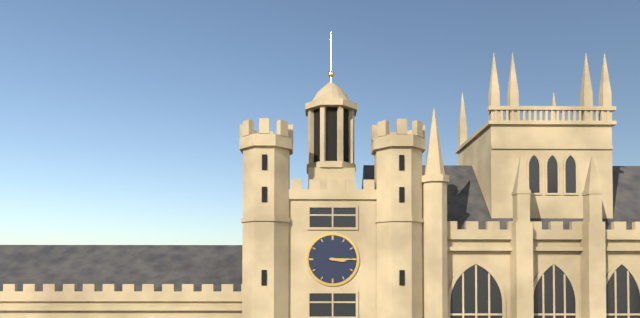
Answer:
3.15
